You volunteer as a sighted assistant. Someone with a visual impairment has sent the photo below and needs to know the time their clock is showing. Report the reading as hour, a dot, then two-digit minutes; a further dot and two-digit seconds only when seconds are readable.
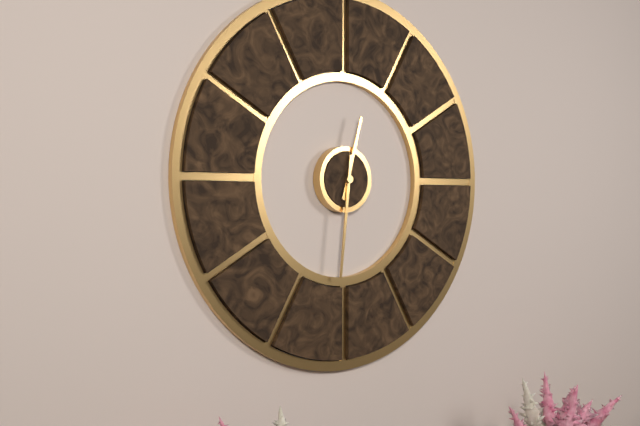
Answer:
12.31
